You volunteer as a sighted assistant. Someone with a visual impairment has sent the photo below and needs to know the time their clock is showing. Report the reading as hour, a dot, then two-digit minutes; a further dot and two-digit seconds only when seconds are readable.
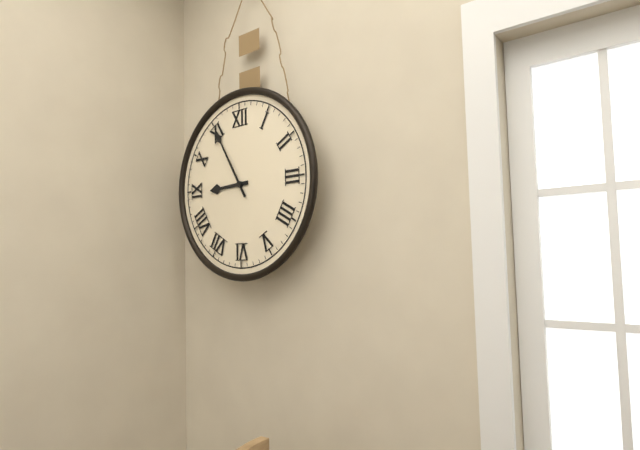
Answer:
8.55
